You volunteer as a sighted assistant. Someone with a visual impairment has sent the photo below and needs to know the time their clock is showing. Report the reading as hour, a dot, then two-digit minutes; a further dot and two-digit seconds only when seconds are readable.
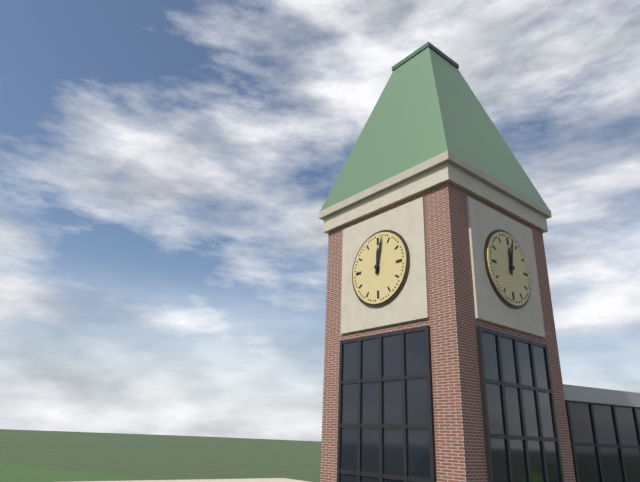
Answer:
12.02
